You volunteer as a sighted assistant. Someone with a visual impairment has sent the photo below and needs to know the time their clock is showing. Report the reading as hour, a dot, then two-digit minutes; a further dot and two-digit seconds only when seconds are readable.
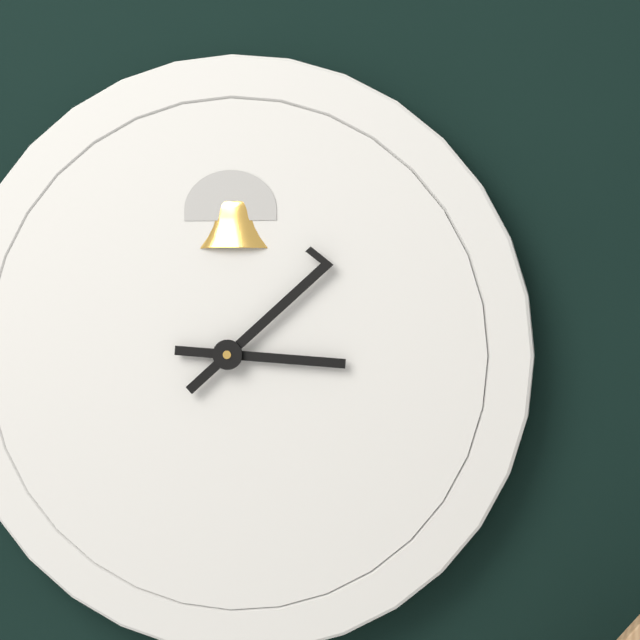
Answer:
3.08
